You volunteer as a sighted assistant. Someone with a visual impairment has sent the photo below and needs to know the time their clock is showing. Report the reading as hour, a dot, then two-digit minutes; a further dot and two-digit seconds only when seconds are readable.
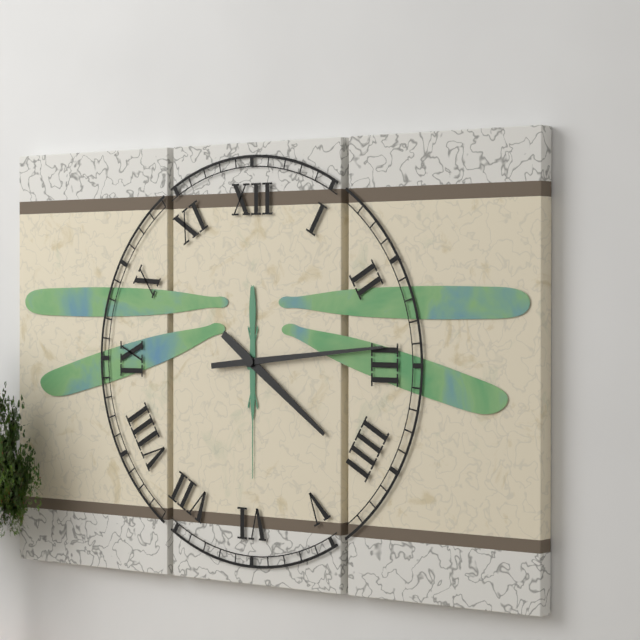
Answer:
4.14
